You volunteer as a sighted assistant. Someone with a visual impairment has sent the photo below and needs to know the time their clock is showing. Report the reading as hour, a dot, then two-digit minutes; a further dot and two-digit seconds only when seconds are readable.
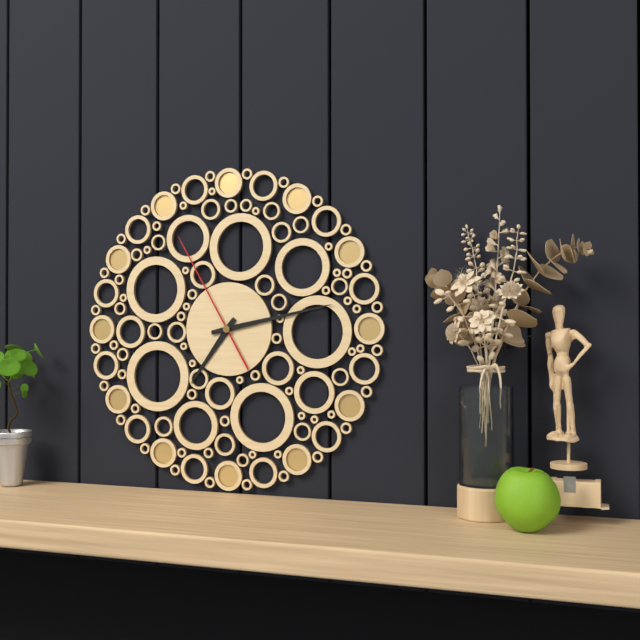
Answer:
7.13.55
